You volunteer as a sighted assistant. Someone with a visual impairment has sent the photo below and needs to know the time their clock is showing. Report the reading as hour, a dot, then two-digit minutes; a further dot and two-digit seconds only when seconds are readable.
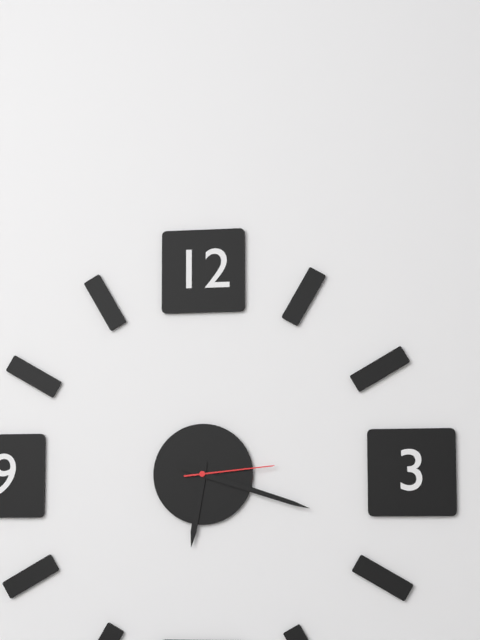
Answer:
6.18.14
